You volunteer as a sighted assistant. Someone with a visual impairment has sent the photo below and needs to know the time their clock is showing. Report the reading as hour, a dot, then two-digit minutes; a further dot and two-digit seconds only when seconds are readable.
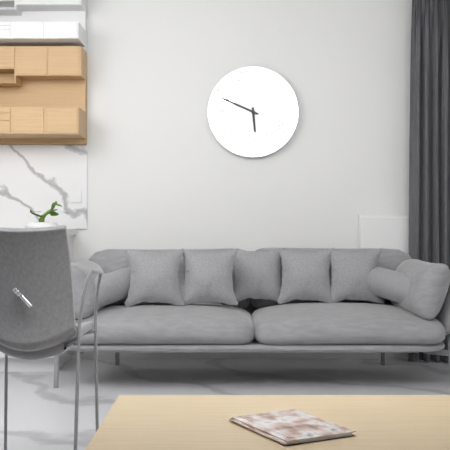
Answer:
5.49
